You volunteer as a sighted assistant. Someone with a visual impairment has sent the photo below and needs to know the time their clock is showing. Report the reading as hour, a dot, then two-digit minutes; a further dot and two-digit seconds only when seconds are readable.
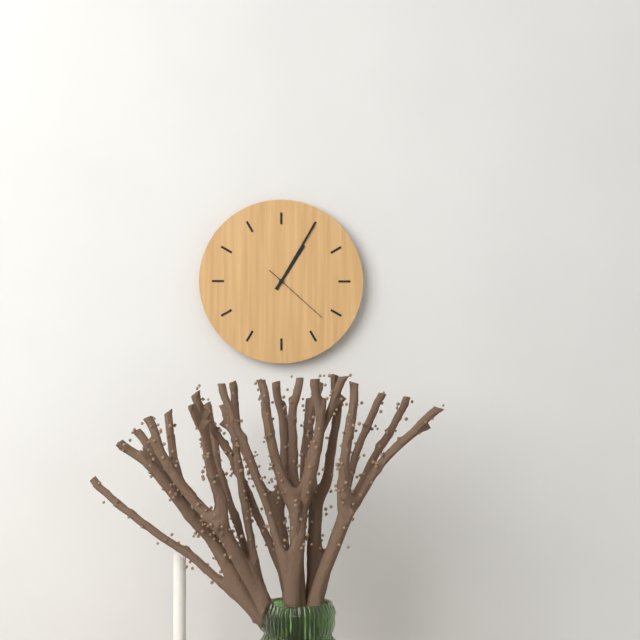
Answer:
1.05.22
